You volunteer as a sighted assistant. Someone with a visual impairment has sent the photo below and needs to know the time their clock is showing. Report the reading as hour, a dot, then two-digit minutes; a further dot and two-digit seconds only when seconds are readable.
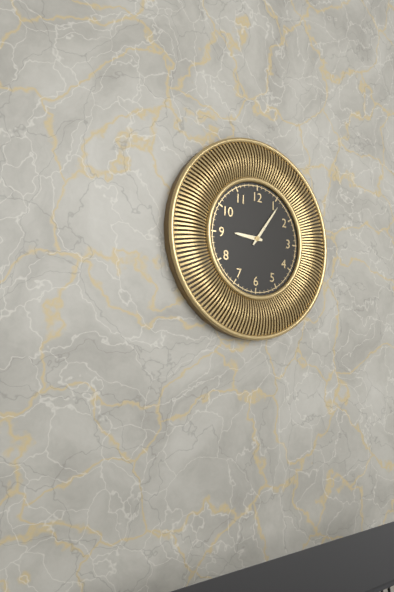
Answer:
9.06
